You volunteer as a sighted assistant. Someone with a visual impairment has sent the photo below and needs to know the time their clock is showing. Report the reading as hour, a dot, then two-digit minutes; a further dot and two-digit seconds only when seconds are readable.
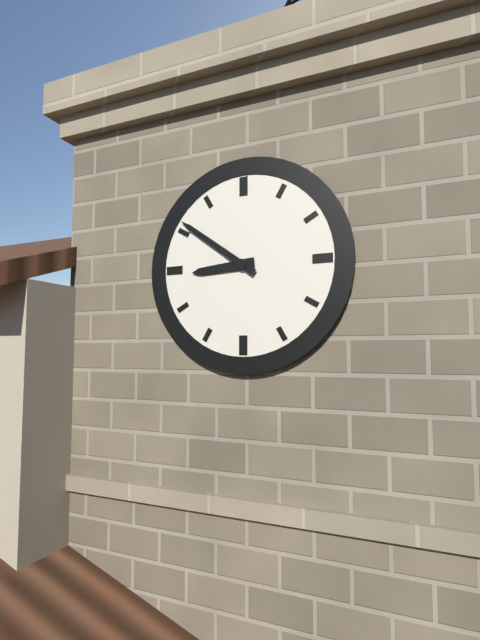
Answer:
8.51
